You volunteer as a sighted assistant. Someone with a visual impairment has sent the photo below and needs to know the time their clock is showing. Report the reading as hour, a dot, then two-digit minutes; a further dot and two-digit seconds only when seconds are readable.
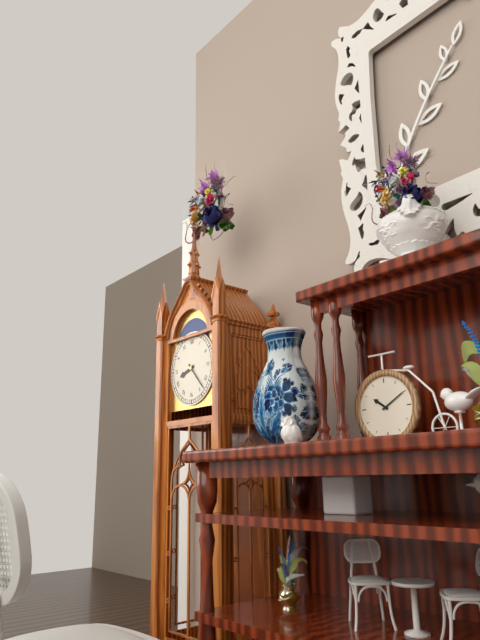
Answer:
8.23
